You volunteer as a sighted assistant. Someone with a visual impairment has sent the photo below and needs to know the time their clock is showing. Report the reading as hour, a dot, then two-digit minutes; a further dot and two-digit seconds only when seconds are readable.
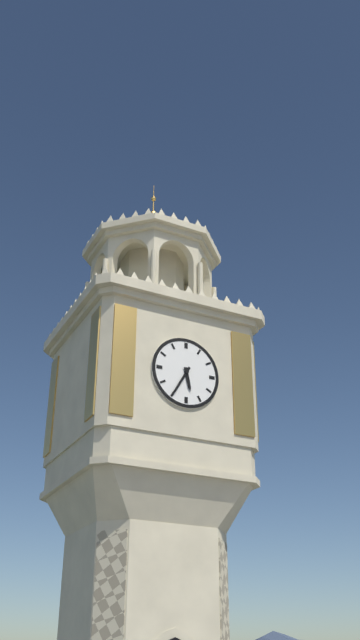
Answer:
5.35
